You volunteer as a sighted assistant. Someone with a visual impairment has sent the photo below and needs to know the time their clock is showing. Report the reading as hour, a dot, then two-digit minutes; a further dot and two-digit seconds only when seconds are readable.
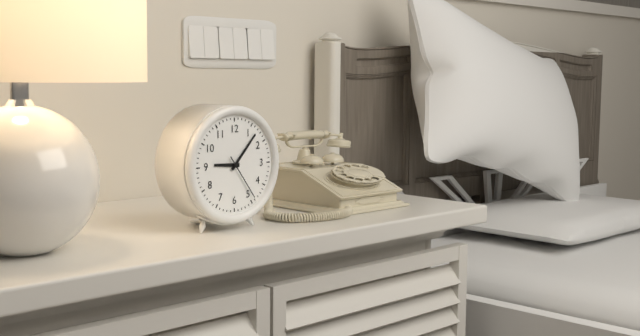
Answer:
9.07
